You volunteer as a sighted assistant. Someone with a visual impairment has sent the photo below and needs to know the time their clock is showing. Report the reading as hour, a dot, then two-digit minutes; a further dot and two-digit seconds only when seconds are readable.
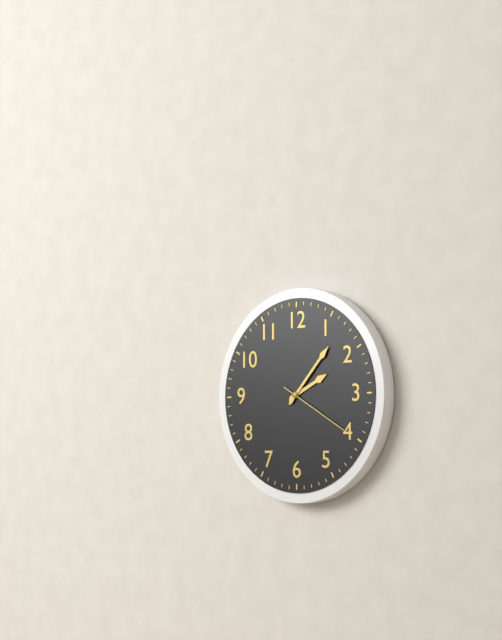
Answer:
2.07.20
